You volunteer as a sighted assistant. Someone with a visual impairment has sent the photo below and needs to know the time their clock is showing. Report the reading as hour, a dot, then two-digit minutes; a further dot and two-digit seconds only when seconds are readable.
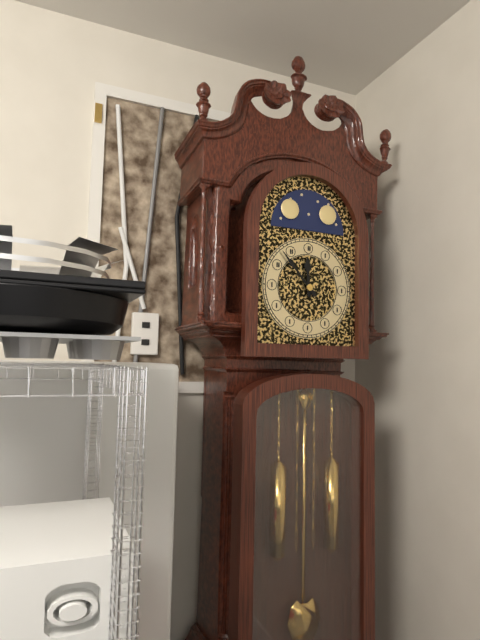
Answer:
11.53
